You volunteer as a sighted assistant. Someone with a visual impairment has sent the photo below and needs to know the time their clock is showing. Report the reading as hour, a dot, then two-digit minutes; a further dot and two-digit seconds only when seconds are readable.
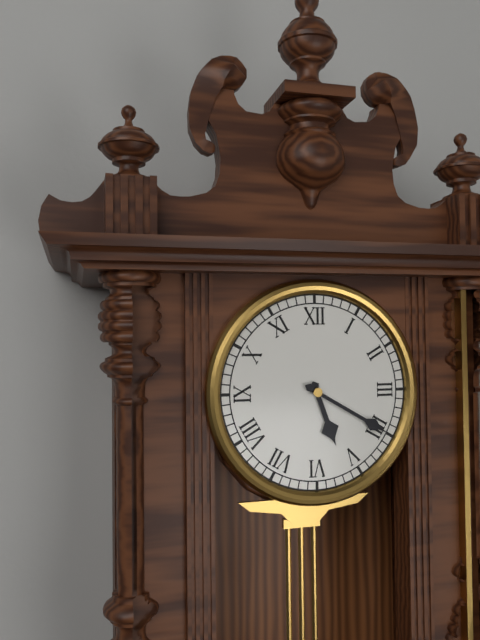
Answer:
5.20
